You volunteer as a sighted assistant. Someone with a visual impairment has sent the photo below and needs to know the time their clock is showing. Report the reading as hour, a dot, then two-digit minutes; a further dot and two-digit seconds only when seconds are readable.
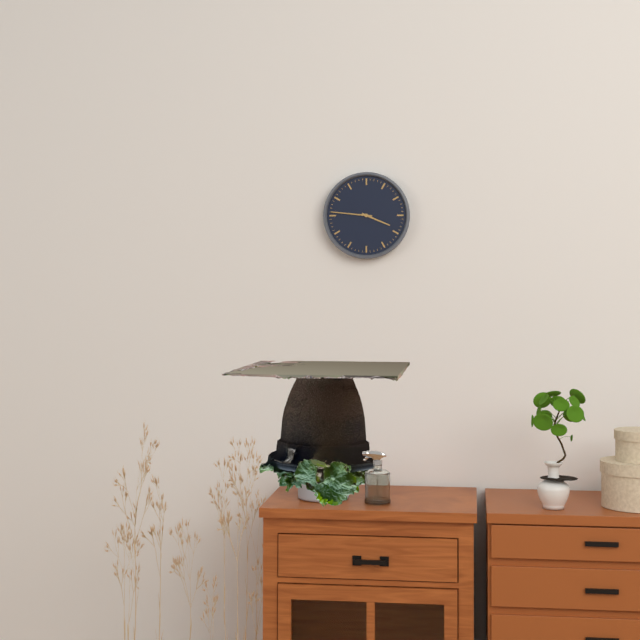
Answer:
3.46
